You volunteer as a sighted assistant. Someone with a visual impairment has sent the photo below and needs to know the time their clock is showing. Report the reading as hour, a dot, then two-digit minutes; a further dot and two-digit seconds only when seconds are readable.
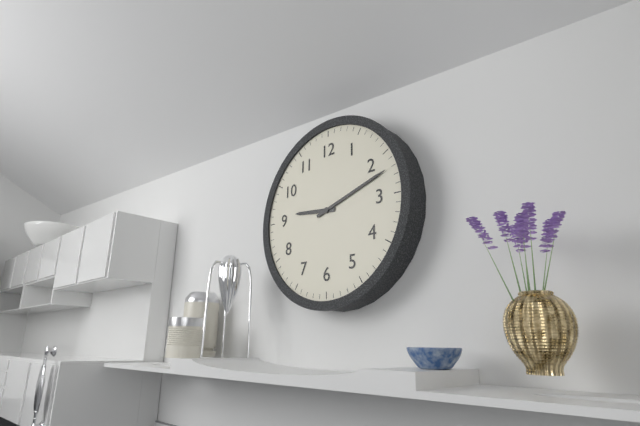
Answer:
9.12
